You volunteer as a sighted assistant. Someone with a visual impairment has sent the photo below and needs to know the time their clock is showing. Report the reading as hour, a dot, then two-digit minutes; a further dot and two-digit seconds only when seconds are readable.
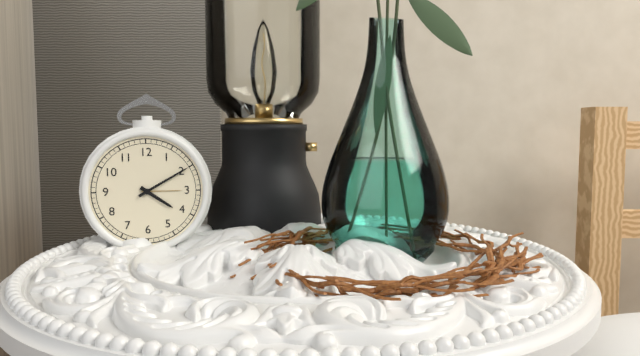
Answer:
4.10
